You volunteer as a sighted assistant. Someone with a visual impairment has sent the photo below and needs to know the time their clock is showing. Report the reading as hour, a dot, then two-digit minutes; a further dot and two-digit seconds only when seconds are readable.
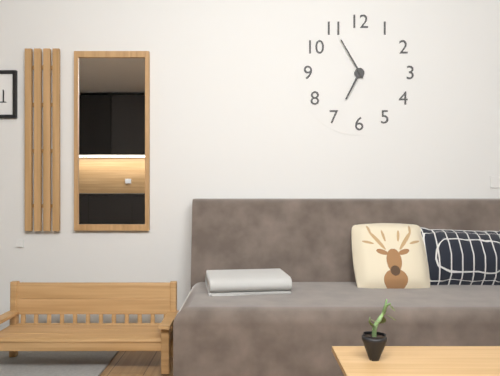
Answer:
6.55
